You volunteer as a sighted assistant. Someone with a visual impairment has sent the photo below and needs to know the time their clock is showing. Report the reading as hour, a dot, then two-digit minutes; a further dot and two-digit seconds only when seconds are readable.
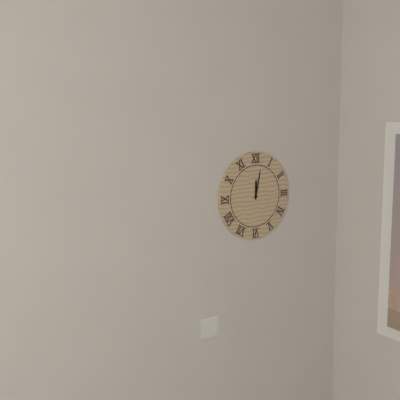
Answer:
12.02
